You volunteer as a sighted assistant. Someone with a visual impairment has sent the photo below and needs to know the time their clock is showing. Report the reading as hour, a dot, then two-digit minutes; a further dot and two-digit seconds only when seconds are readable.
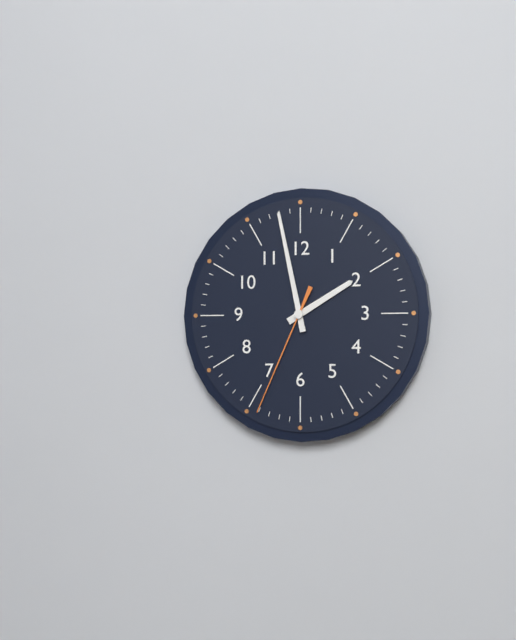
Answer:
1.58.34
